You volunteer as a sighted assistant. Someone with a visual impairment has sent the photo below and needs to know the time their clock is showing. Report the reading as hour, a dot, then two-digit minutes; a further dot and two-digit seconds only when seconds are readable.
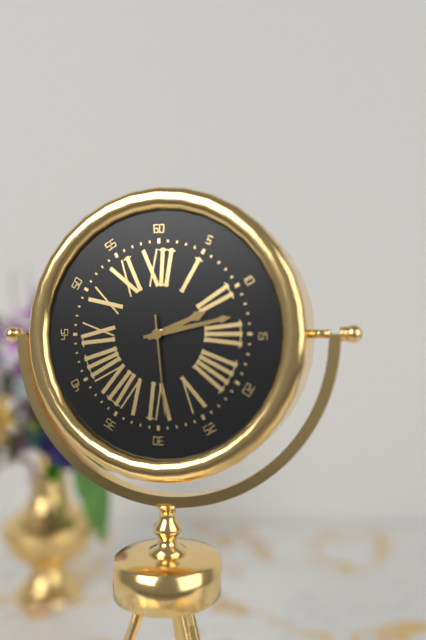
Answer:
2.13.29
